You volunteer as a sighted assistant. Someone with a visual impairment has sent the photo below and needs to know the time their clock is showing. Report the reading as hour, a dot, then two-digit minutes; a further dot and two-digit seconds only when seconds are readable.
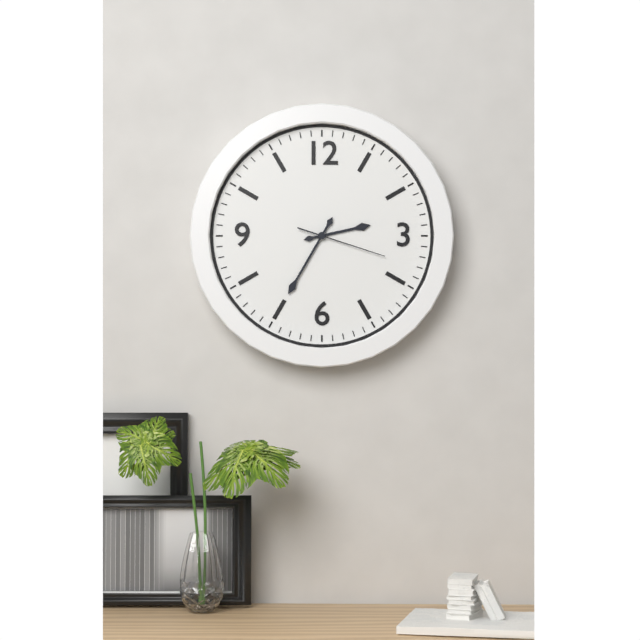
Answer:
2.35.18
